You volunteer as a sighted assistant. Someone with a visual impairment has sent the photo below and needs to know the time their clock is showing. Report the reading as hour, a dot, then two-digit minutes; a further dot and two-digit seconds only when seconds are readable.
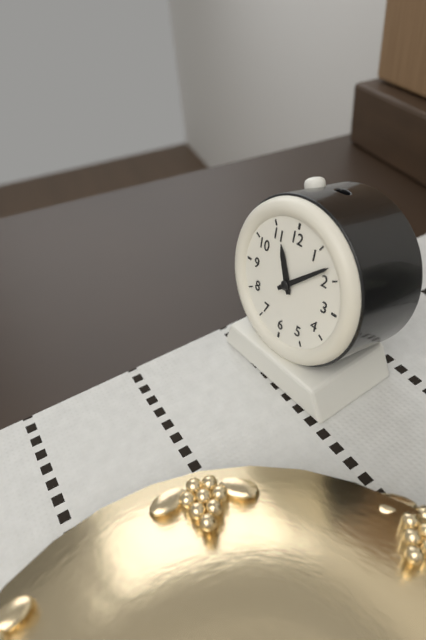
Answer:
11.08
